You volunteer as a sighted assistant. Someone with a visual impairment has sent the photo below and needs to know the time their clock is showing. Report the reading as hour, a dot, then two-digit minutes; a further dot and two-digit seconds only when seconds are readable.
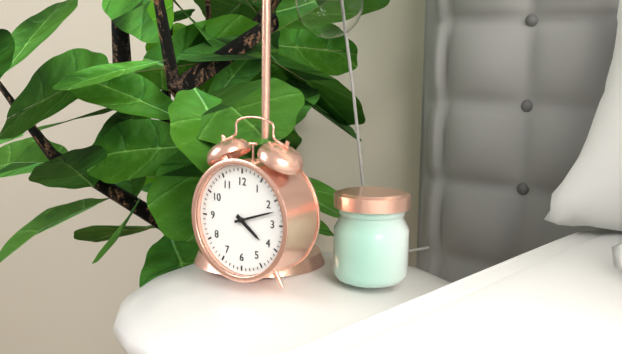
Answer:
4.12
